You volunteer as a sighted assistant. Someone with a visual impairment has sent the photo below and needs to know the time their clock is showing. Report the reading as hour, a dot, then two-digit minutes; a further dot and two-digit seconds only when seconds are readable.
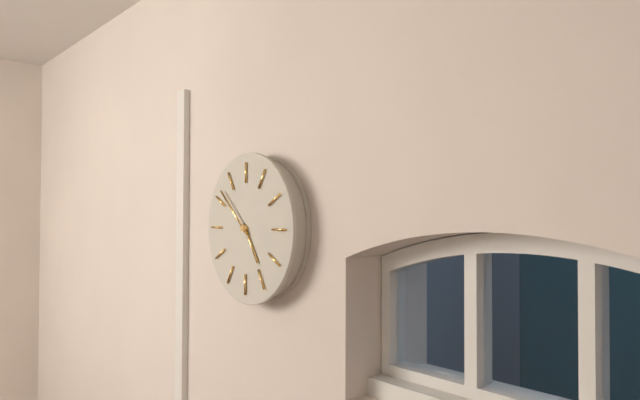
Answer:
4.52
